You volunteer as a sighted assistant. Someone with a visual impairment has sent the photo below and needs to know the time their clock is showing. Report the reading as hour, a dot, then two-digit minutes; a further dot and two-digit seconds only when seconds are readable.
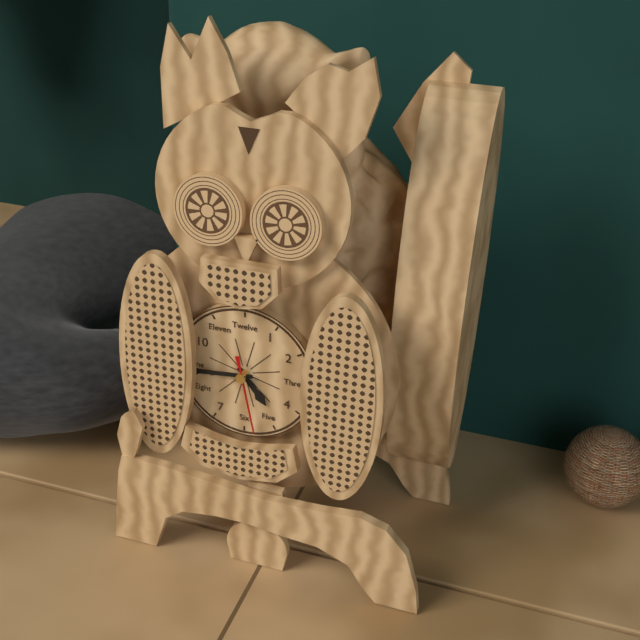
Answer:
4.44.28
